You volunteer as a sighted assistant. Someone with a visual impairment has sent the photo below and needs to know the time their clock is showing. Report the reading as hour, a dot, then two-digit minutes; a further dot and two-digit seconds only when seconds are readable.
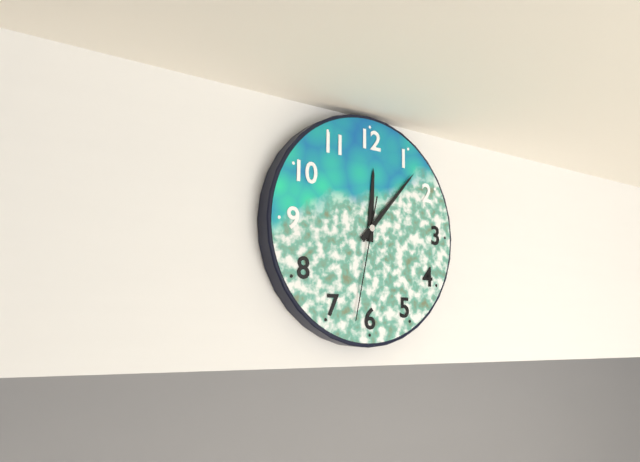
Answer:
12.07.32
